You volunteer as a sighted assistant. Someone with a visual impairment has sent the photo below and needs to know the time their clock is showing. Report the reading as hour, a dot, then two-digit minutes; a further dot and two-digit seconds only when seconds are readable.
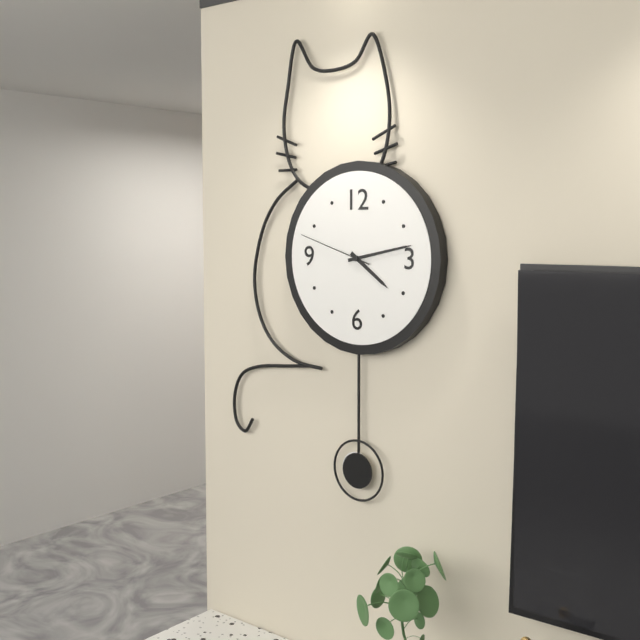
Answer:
4.13.48
